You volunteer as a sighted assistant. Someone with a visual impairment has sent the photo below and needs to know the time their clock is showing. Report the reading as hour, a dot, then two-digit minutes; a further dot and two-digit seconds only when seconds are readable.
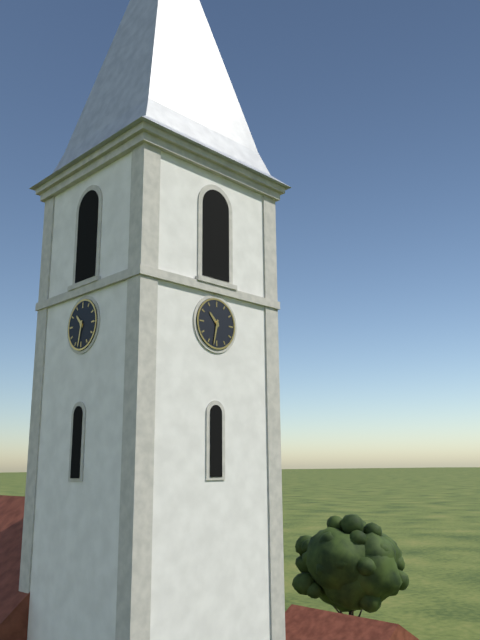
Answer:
10.32
